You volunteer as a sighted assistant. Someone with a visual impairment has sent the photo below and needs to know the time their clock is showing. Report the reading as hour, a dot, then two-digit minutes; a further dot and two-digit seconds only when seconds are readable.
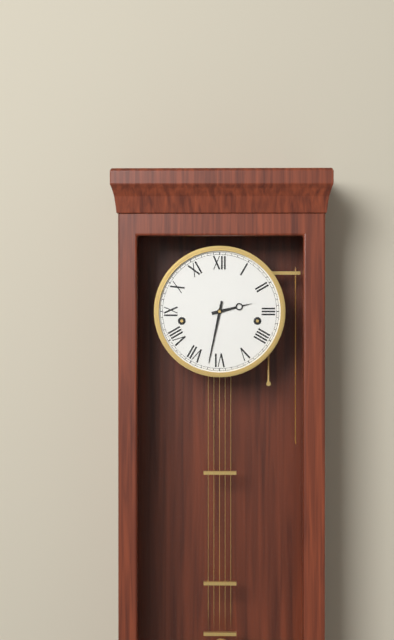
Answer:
2.32
